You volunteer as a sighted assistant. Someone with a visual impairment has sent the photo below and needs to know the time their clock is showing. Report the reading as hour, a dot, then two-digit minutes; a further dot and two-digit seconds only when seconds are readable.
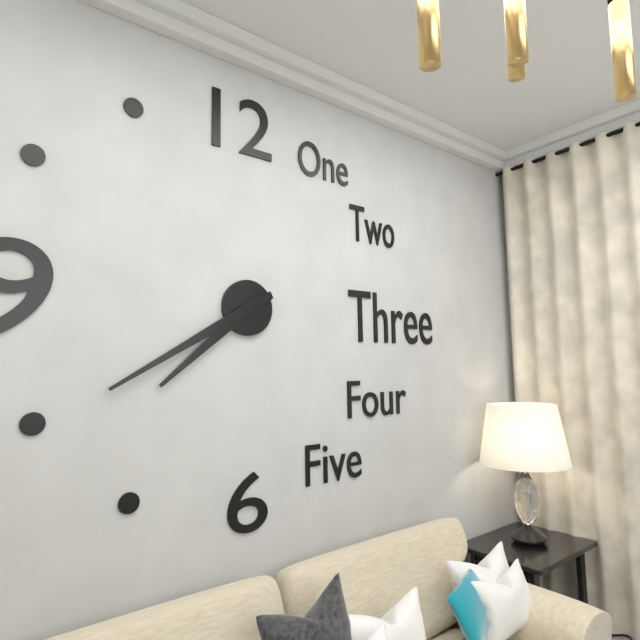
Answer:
7.40
